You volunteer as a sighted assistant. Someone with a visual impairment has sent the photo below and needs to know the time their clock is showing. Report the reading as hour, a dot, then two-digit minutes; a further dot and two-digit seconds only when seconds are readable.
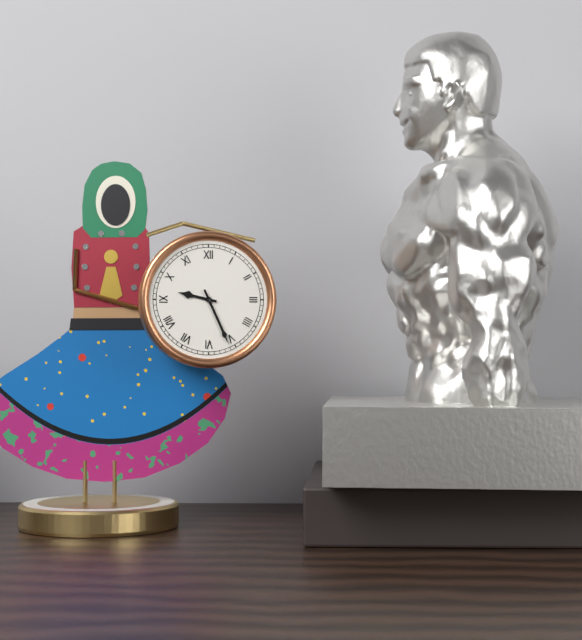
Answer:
9.26
